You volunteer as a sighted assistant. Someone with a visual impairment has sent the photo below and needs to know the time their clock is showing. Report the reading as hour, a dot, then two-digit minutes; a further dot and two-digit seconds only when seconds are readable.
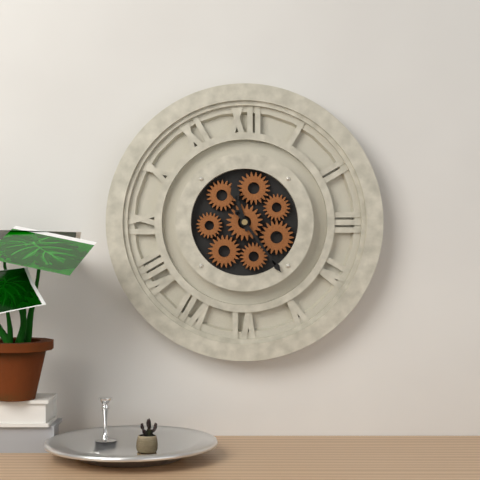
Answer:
11.24
